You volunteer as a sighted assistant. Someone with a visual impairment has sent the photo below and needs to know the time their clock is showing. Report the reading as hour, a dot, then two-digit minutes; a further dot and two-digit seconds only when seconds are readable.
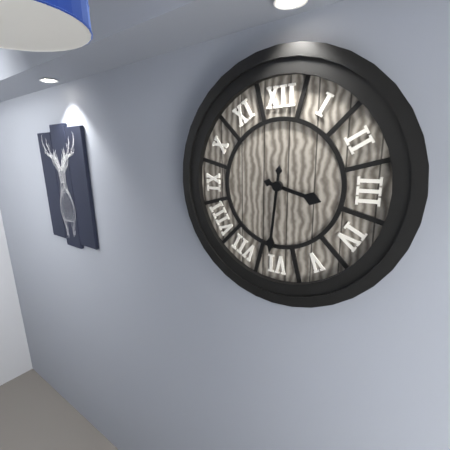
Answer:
3.31
